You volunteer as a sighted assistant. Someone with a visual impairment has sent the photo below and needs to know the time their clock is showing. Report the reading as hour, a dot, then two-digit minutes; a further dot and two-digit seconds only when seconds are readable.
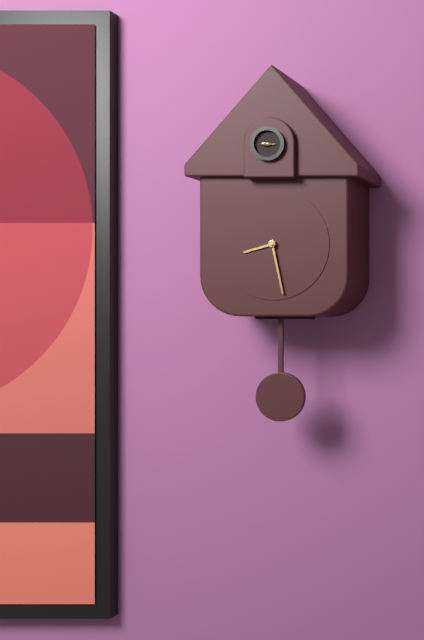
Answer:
8.28
